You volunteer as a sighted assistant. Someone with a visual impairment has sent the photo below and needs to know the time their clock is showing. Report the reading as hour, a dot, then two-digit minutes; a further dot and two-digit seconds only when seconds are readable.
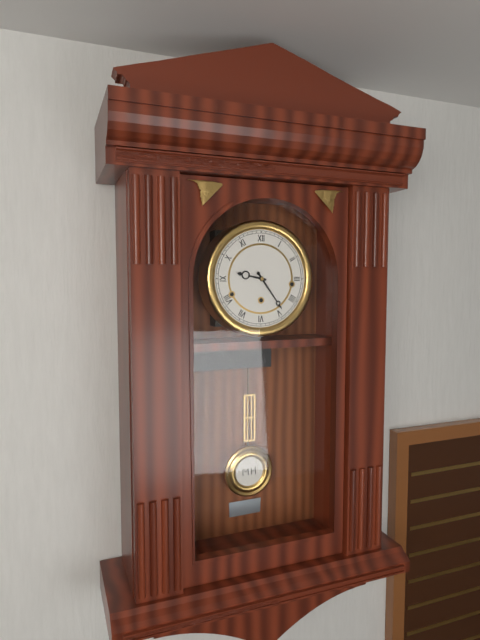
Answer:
9.24
